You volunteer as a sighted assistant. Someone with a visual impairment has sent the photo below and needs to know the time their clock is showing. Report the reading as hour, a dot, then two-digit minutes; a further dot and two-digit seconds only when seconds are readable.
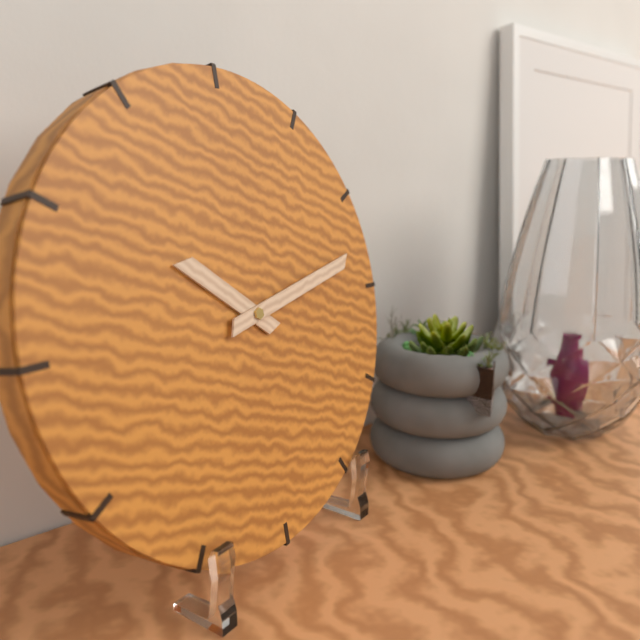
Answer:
10.13
